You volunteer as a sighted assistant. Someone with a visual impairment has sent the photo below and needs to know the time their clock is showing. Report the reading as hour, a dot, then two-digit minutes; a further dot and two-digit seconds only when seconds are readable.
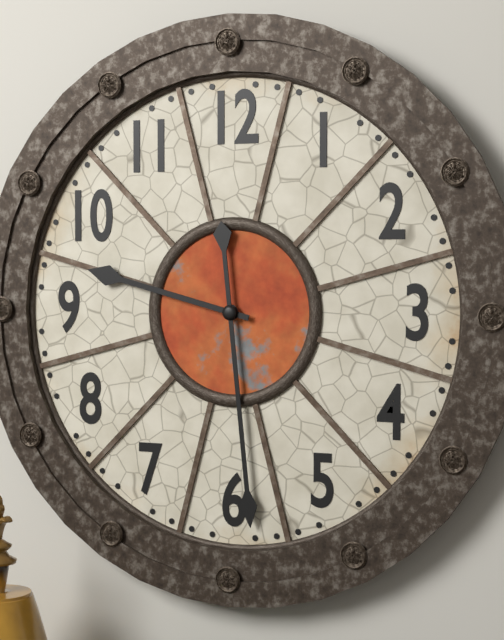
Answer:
9.29
